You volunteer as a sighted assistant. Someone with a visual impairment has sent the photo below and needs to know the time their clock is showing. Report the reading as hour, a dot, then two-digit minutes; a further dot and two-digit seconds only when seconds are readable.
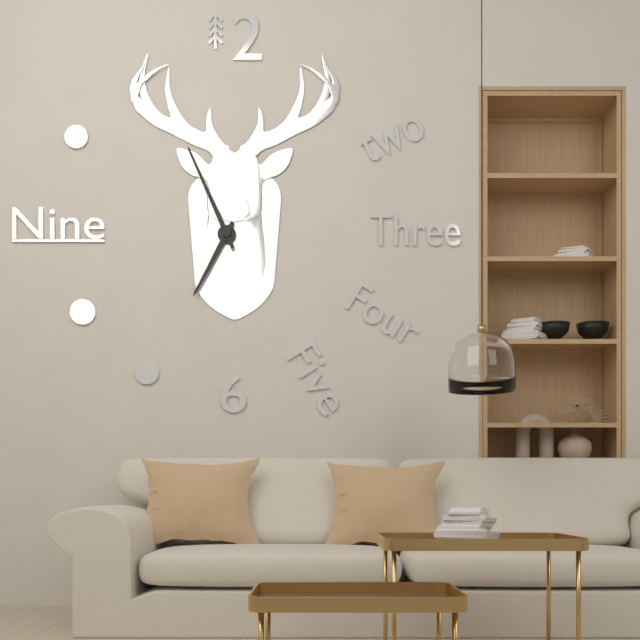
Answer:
6.56
